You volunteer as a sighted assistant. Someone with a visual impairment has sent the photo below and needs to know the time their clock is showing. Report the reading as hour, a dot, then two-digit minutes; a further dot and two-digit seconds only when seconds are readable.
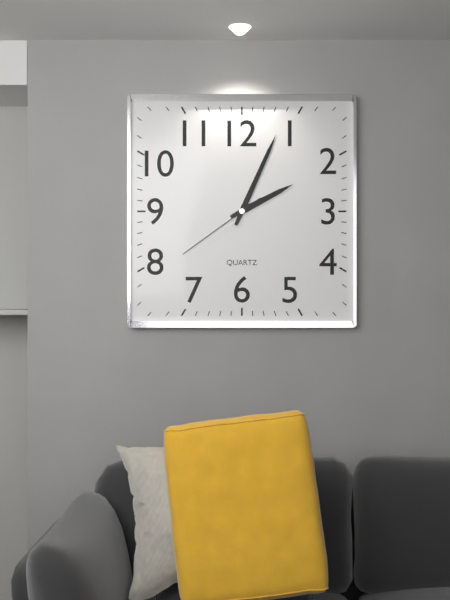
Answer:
2.04.39
